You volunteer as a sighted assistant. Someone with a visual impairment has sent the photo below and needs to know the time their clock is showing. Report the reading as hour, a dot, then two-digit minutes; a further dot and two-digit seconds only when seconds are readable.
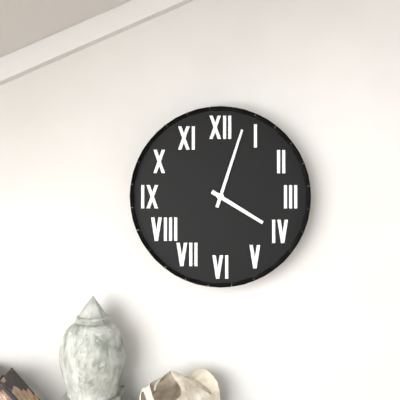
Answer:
4.03
